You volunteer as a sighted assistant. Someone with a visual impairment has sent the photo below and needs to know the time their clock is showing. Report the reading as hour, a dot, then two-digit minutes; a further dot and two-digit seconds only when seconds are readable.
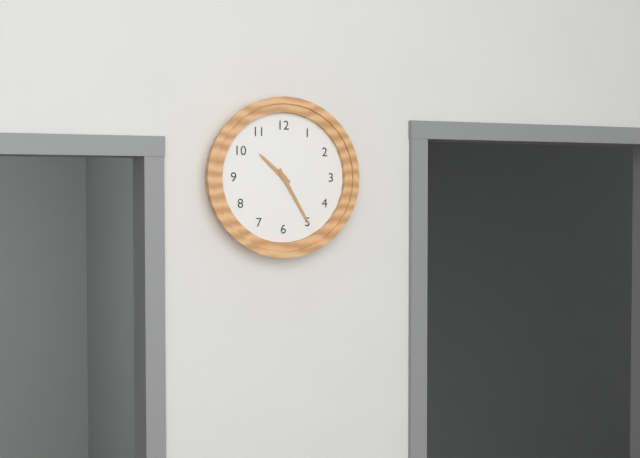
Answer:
10.25
